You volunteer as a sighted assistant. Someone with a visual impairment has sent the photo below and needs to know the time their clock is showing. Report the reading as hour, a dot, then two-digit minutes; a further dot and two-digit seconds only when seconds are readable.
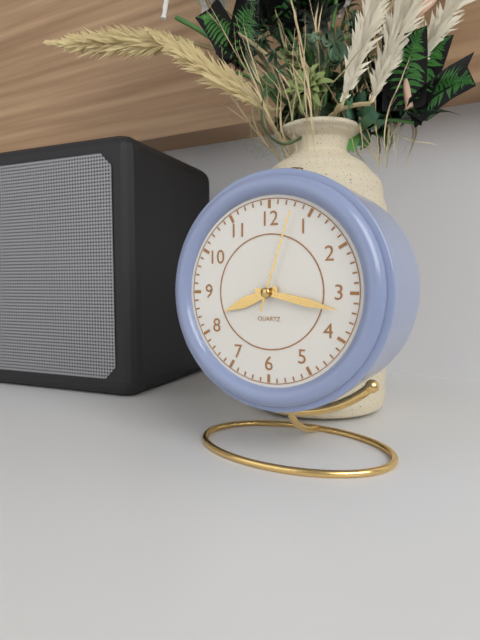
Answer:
8.17.03
